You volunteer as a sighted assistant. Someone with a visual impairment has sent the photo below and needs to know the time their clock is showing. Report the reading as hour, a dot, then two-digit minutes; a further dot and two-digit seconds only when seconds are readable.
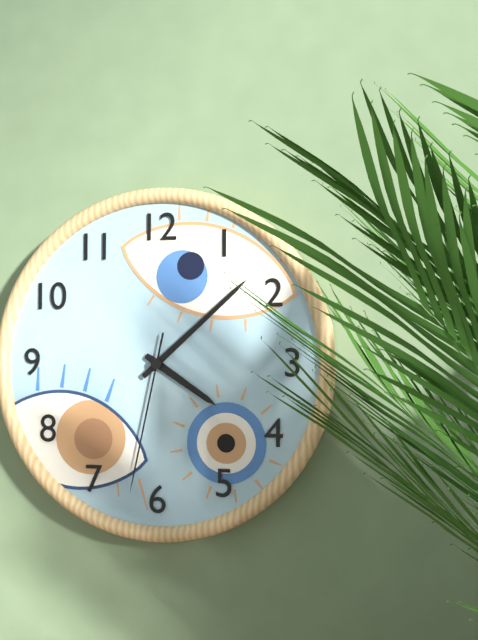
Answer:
4.08.32
